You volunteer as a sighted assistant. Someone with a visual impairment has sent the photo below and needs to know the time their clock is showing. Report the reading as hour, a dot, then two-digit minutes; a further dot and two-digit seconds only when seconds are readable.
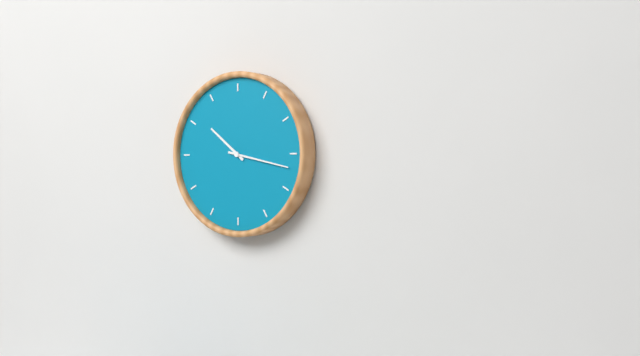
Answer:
10.17
